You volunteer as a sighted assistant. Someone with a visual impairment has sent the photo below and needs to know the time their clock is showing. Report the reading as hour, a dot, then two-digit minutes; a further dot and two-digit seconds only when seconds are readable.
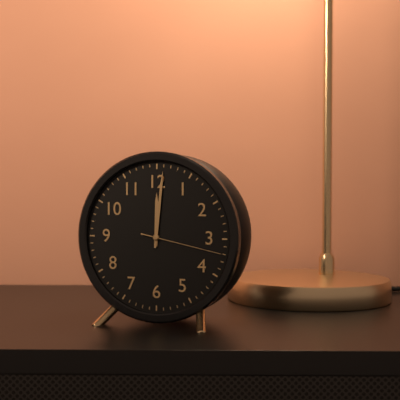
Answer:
12.01.17
